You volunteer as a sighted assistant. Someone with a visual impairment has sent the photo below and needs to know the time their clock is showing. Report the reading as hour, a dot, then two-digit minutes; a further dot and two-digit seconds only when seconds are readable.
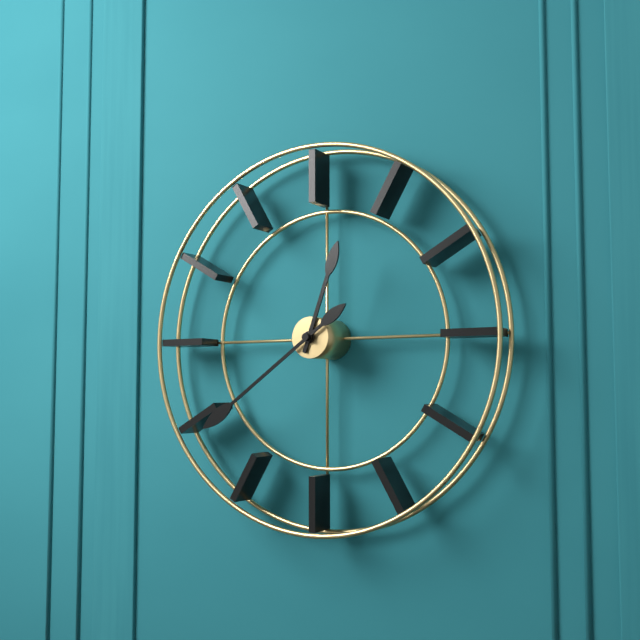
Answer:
12.39
